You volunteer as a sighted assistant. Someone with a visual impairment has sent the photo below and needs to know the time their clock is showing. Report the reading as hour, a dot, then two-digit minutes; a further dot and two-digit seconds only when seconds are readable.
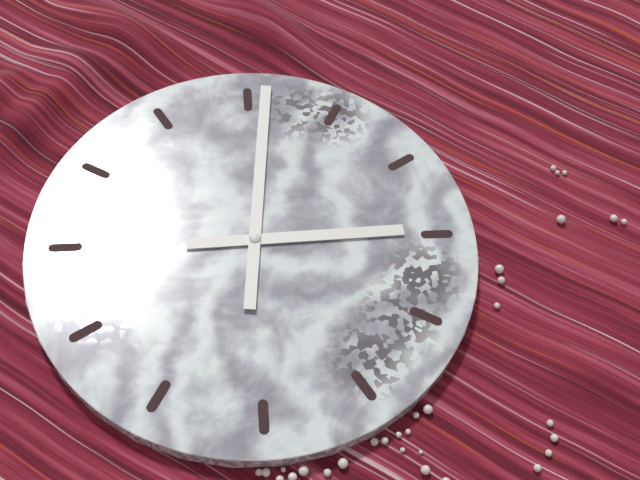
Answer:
1.56
